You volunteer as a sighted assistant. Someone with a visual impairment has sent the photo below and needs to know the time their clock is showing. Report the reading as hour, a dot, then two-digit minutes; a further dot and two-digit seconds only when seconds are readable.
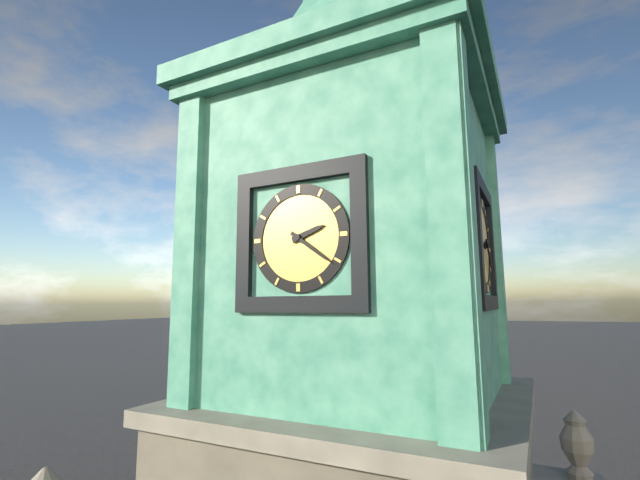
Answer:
2.21
